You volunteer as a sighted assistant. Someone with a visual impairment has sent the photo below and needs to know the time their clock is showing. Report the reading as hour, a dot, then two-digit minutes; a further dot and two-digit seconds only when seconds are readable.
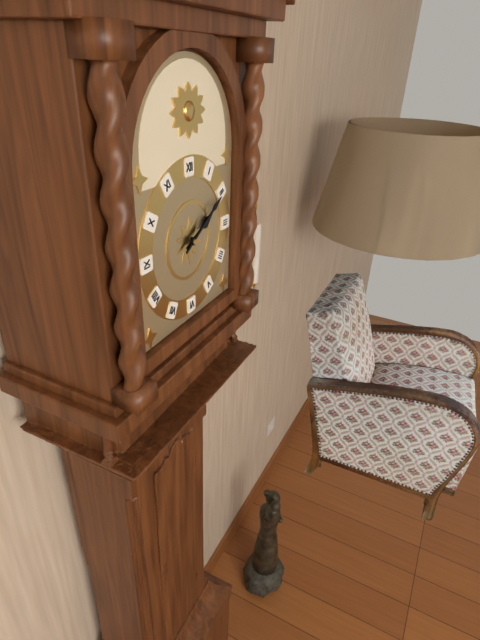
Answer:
2.10
